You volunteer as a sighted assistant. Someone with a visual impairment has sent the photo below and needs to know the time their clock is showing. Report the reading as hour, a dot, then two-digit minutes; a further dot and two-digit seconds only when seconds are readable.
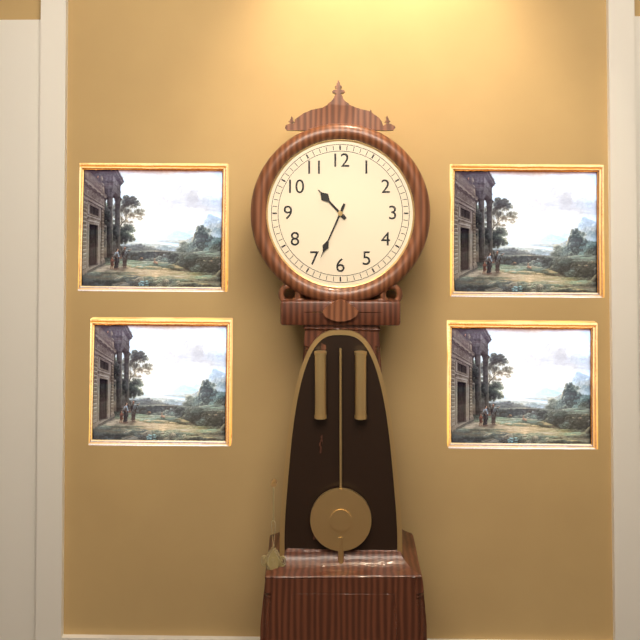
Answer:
10.34
